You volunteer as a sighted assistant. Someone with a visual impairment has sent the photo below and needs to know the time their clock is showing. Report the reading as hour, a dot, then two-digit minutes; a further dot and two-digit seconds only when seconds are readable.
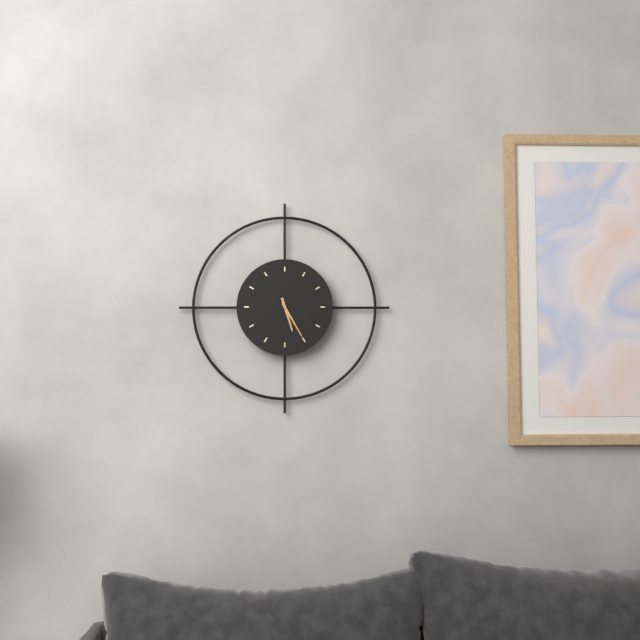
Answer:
5.25
